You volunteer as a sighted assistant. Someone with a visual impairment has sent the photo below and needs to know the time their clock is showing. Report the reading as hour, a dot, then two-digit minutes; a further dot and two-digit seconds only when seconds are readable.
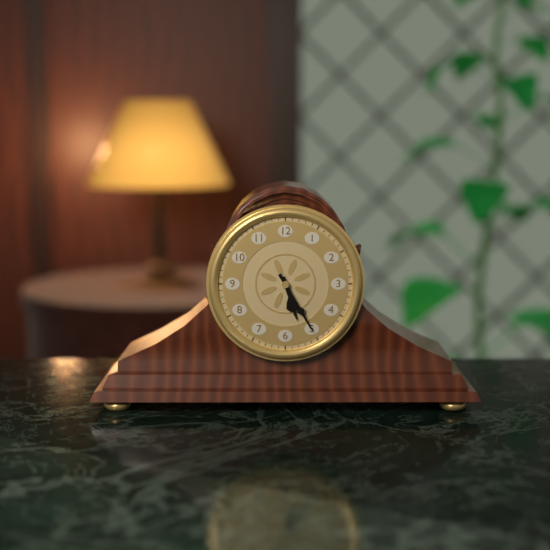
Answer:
5.25
